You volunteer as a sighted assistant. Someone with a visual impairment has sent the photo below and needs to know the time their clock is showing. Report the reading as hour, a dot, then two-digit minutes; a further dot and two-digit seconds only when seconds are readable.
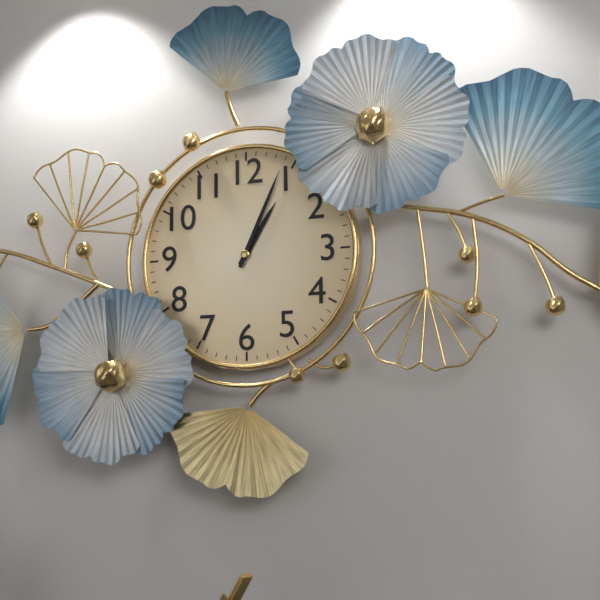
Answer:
1.04
